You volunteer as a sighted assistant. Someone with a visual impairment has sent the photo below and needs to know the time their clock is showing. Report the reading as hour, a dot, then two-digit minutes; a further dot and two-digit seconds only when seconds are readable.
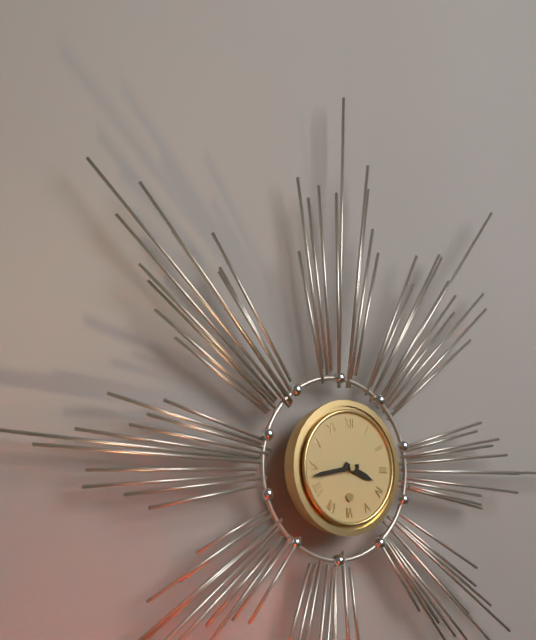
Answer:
3.43
